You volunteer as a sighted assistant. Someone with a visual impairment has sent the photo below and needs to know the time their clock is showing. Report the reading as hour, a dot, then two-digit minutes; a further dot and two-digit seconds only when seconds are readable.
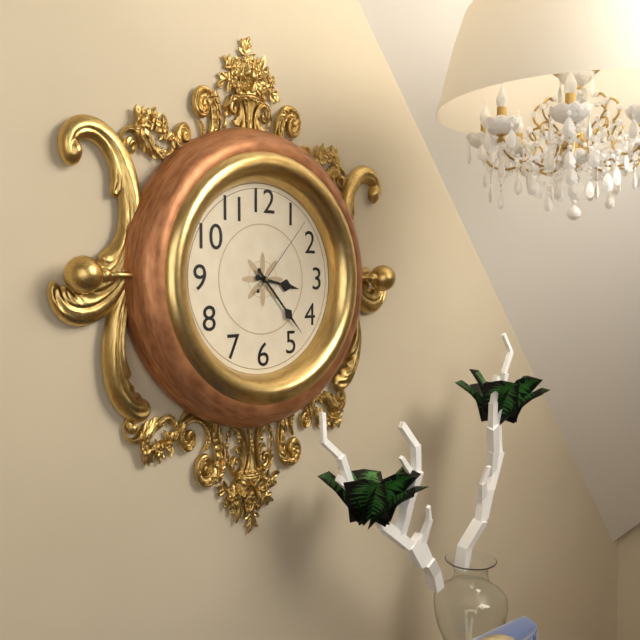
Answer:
3.23.07
